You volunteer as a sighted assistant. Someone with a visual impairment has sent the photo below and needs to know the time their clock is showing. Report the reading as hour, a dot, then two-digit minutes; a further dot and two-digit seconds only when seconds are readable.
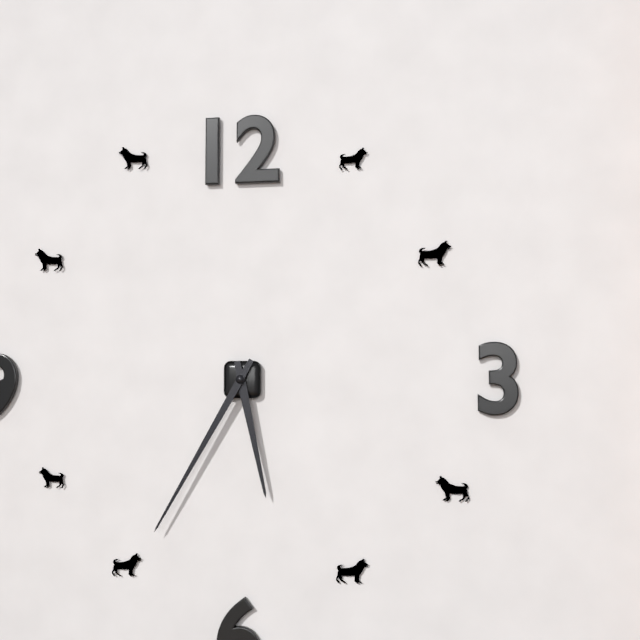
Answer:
5.35
